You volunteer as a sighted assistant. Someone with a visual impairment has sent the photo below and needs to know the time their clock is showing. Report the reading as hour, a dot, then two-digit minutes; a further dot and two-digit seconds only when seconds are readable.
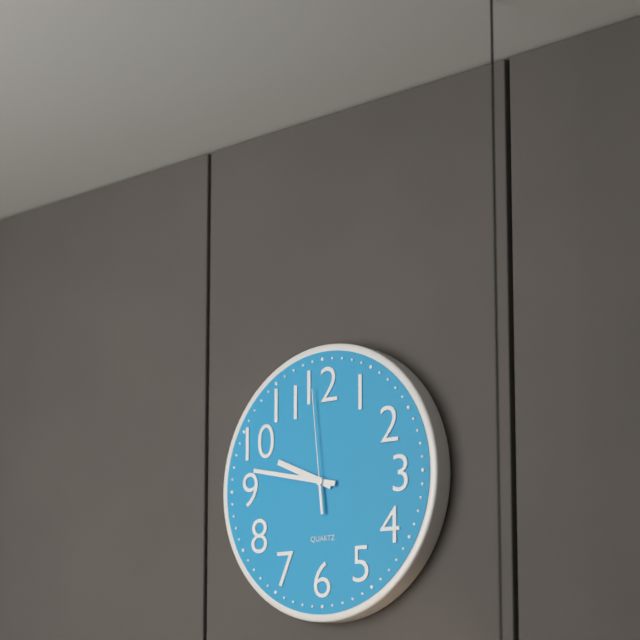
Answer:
9.47.59
